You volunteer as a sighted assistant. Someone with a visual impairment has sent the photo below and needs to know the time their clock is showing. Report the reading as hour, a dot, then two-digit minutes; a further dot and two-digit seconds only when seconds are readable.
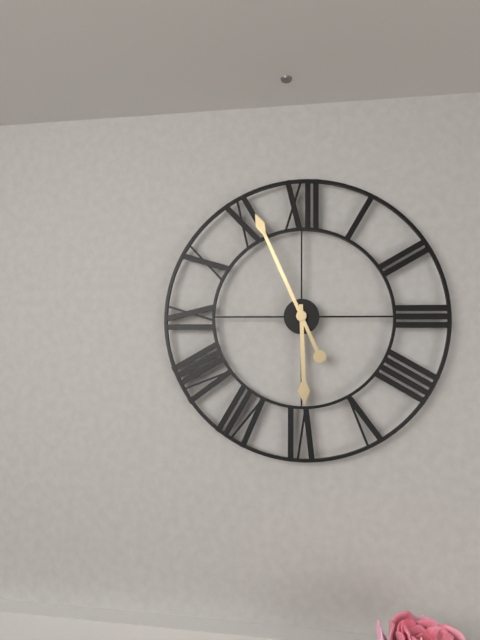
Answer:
5.56
